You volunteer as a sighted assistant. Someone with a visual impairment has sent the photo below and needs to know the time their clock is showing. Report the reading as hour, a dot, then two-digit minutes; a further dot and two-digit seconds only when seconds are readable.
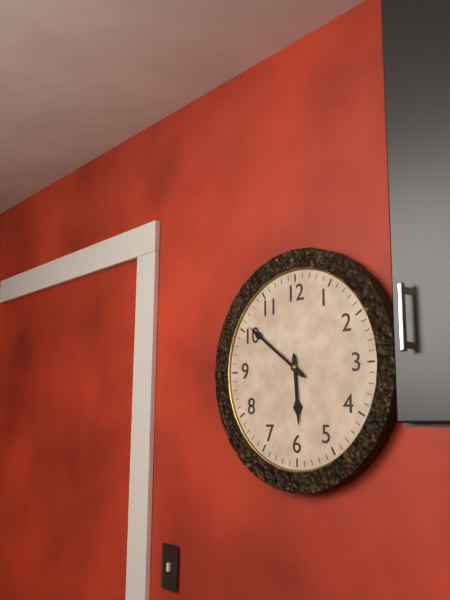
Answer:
5.51
